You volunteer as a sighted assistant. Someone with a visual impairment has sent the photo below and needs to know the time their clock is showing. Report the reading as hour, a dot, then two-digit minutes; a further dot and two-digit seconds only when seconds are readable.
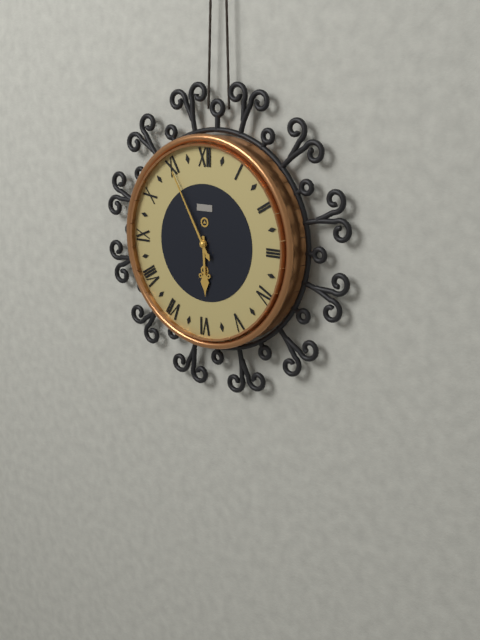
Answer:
5.55
